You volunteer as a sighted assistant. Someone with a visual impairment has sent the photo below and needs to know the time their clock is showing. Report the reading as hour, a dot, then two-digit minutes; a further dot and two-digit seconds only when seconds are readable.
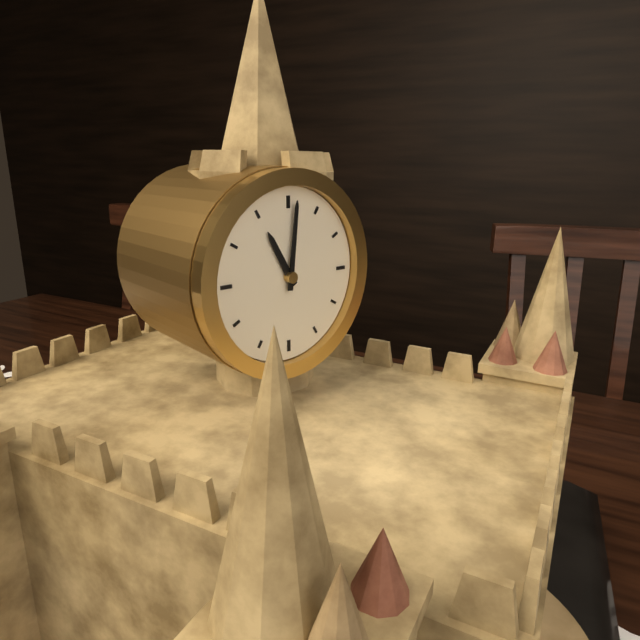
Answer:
11.01
